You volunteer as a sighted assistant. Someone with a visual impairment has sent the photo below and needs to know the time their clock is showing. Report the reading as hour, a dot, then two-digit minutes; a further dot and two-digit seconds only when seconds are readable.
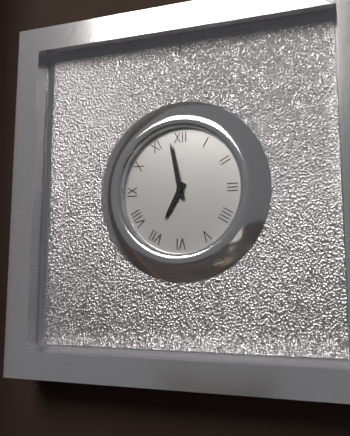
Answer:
6.58
